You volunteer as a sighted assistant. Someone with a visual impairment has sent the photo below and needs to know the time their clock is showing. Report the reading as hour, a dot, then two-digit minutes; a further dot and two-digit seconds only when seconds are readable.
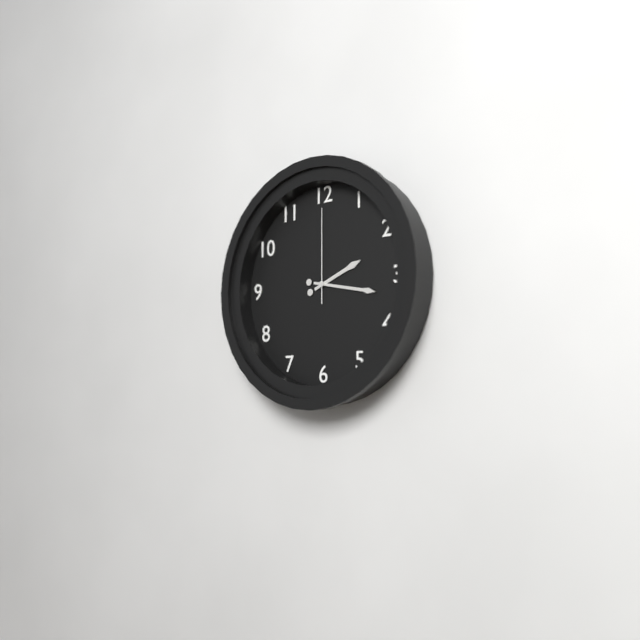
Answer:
2.17.00
